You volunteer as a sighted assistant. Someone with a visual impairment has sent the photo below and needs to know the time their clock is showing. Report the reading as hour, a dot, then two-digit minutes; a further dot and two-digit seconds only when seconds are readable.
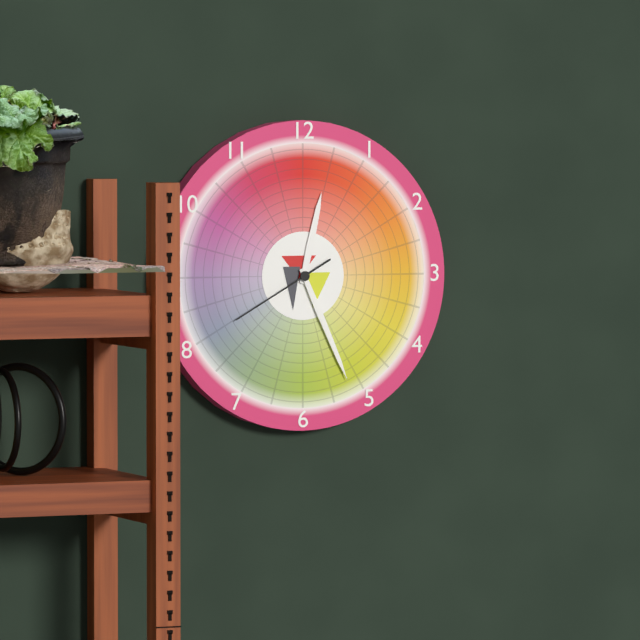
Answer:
12.26.40
